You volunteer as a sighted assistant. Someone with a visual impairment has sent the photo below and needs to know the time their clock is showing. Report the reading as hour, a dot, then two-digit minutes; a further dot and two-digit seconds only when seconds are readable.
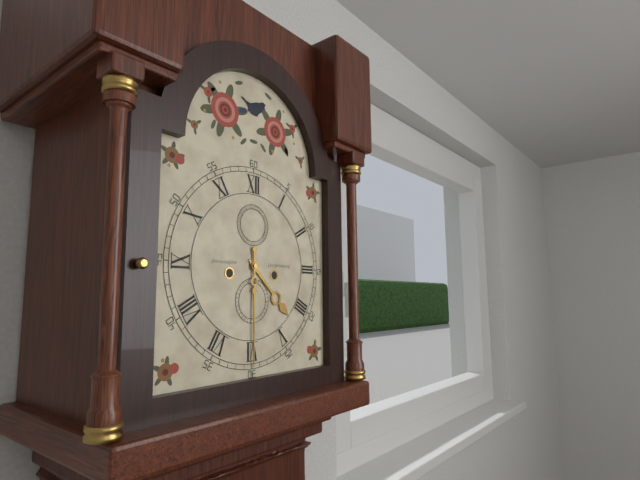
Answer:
4.30
